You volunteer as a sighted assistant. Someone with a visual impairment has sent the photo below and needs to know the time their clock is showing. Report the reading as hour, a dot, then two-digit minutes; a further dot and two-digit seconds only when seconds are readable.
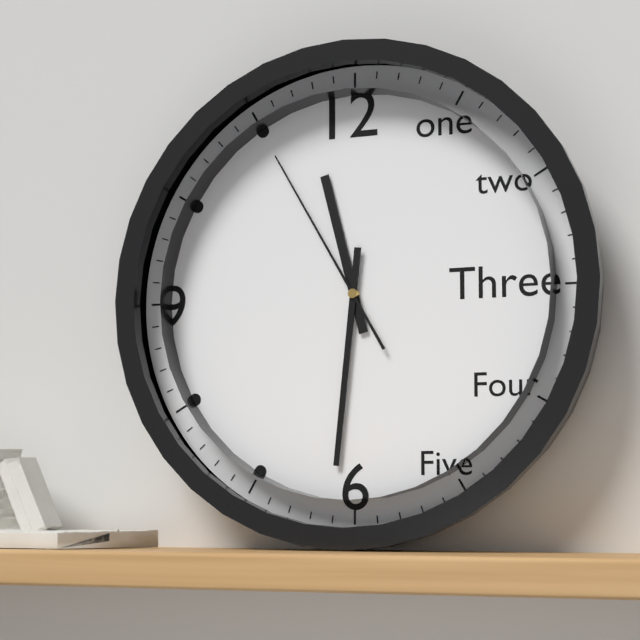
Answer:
11.31.55
